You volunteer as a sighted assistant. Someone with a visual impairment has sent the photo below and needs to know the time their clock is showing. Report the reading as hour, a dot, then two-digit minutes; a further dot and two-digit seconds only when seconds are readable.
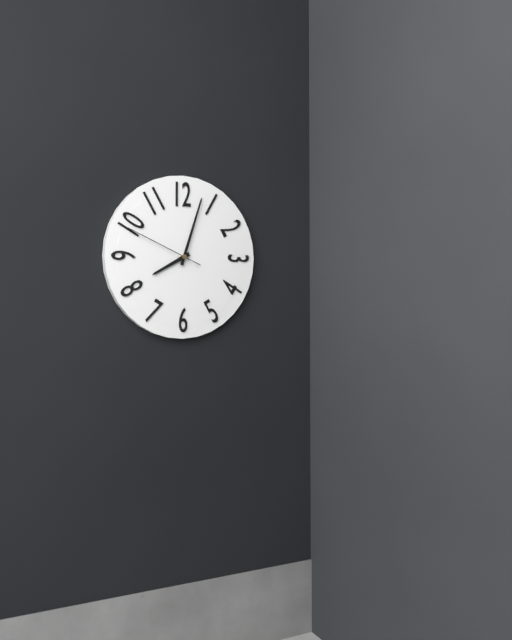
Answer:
8.03.49
